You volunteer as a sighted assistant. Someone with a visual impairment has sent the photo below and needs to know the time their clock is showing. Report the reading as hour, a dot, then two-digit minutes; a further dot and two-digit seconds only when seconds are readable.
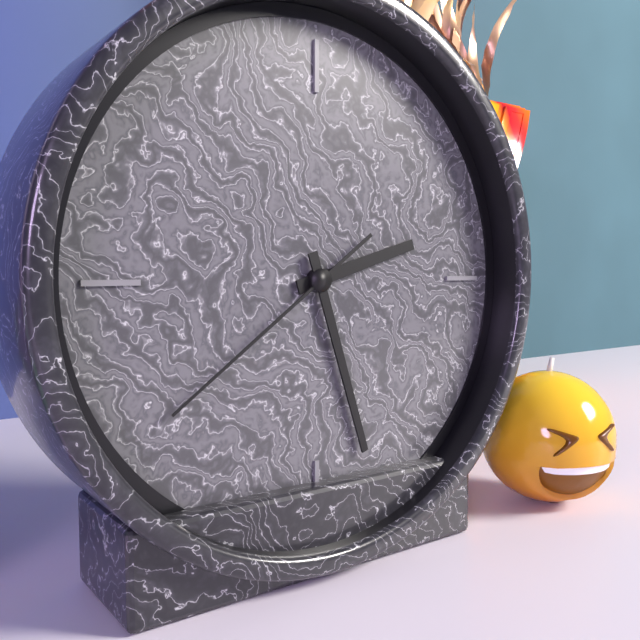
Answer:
2.27.39
